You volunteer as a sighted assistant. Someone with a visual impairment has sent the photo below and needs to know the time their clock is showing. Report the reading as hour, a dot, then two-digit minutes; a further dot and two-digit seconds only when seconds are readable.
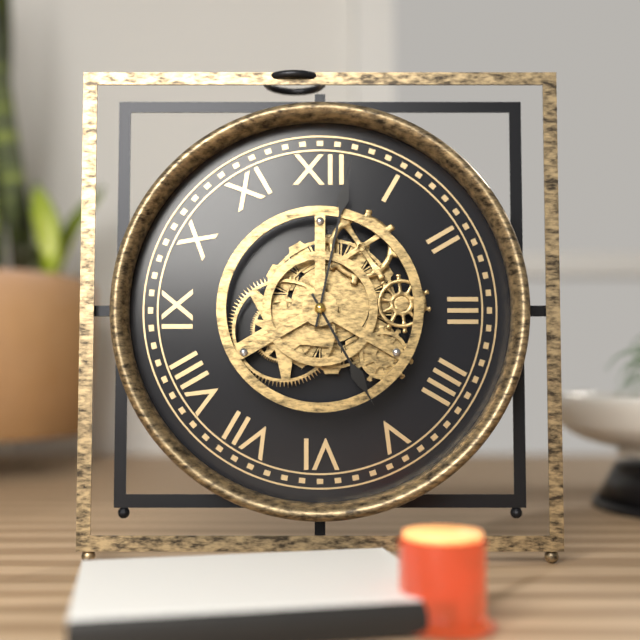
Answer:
5.02
